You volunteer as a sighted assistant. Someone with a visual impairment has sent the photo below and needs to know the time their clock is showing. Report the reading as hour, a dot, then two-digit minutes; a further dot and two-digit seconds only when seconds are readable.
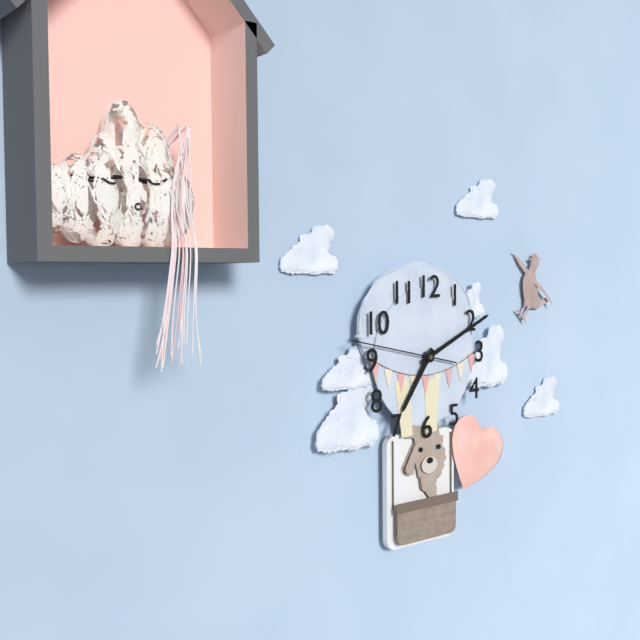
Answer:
7.11.47
